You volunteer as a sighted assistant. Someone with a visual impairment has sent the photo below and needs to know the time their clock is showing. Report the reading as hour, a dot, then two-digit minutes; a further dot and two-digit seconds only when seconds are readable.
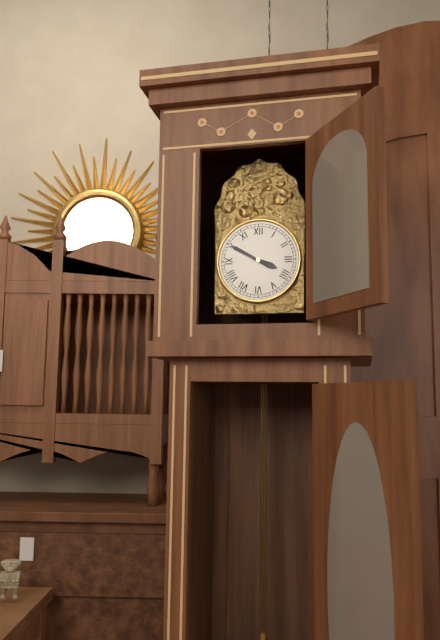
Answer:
3.50
